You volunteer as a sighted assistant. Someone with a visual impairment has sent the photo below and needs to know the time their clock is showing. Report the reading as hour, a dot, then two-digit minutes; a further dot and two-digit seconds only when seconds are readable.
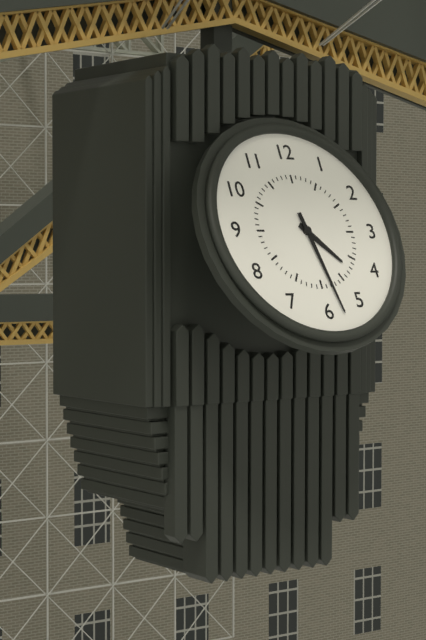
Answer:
4.28
